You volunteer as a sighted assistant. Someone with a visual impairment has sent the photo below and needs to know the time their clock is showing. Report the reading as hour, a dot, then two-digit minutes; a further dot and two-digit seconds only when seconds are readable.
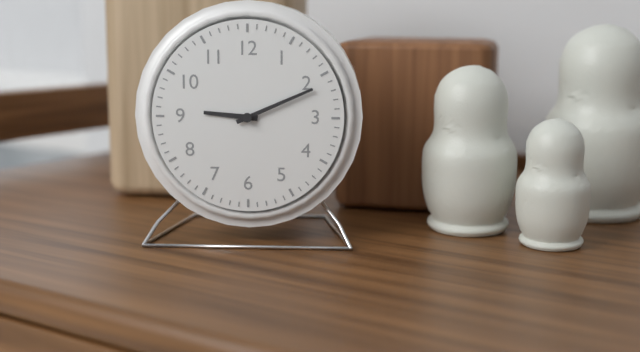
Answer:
9.11
